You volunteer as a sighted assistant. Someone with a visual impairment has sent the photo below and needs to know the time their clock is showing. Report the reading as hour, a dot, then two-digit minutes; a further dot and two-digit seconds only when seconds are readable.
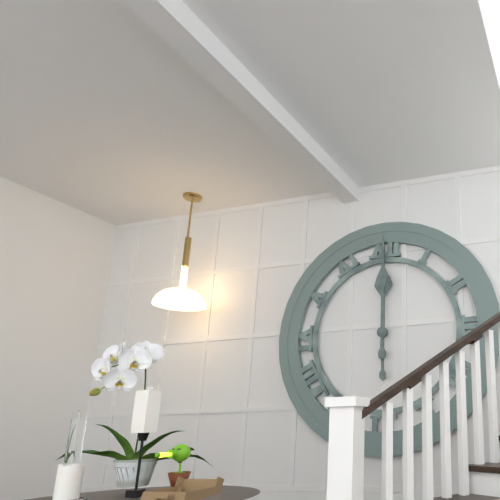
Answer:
12.00
